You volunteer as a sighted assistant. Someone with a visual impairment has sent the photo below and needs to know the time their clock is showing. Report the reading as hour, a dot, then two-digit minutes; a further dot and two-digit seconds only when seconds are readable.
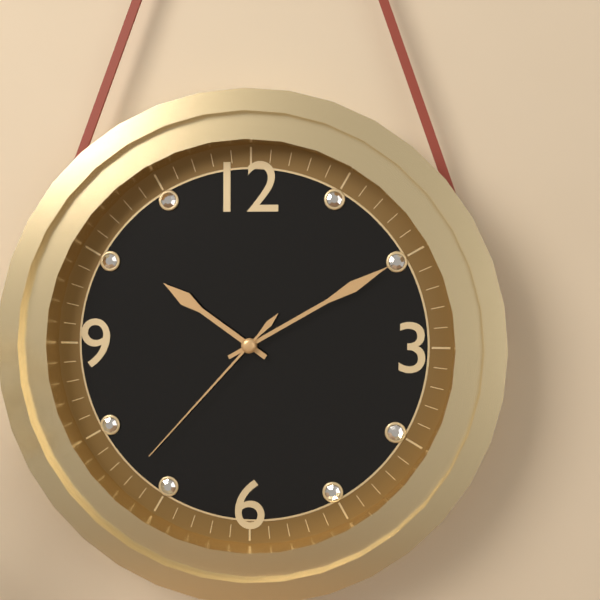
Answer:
10.10.37
